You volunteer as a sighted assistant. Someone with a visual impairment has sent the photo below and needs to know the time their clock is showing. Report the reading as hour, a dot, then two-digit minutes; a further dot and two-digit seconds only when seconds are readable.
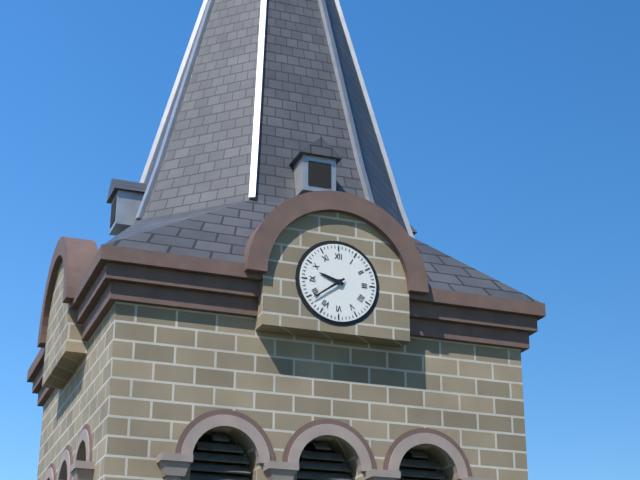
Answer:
9.39
